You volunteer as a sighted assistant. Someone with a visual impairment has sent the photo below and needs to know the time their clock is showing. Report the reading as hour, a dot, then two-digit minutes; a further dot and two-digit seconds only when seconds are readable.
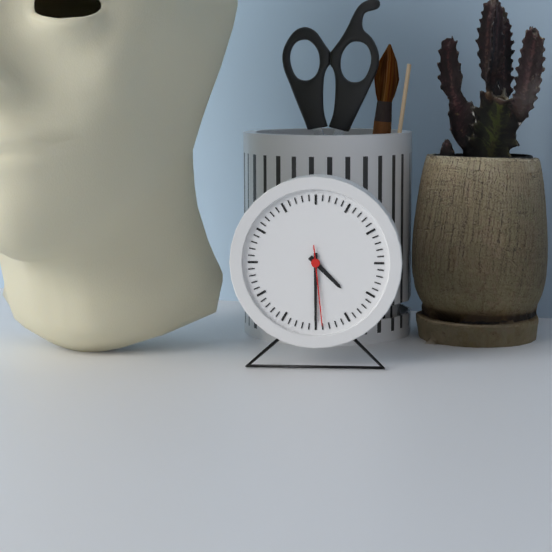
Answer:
4.30.29
